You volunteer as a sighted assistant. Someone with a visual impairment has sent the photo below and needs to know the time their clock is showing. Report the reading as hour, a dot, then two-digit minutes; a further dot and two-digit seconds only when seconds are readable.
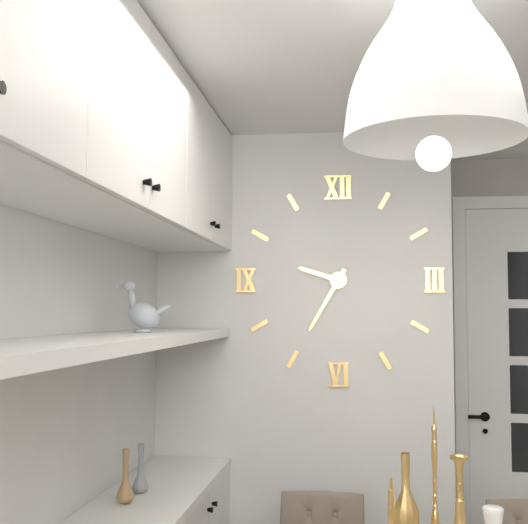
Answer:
9.35
